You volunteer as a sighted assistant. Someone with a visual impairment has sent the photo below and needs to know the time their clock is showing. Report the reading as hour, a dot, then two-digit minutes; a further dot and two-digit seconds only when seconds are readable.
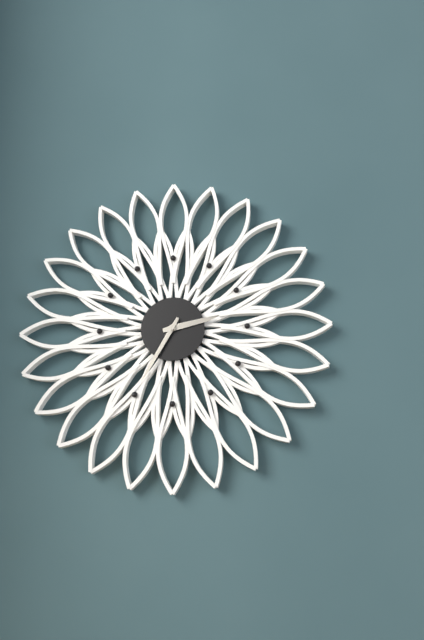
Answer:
2.35
